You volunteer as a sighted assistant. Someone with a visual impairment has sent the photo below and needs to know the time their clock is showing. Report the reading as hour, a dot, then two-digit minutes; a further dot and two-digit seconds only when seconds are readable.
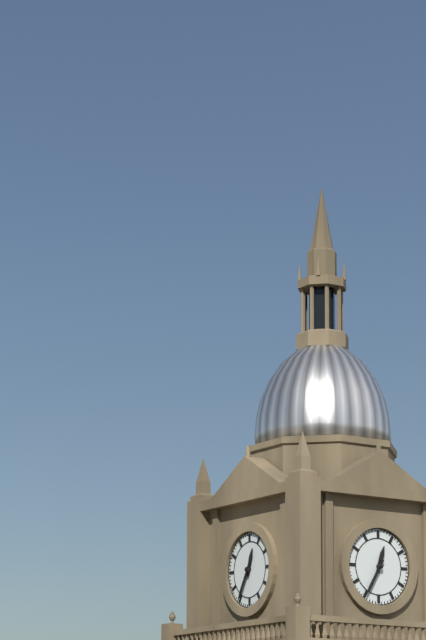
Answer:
12.35
